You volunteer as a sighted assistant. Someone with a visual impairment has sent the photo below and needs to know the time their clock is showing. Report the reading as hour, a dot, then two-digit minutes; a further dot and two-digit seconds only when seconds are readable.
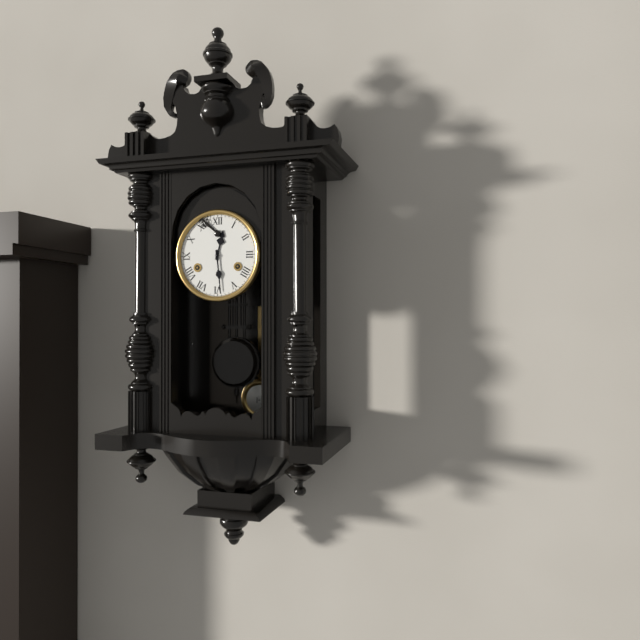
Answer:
12.29
